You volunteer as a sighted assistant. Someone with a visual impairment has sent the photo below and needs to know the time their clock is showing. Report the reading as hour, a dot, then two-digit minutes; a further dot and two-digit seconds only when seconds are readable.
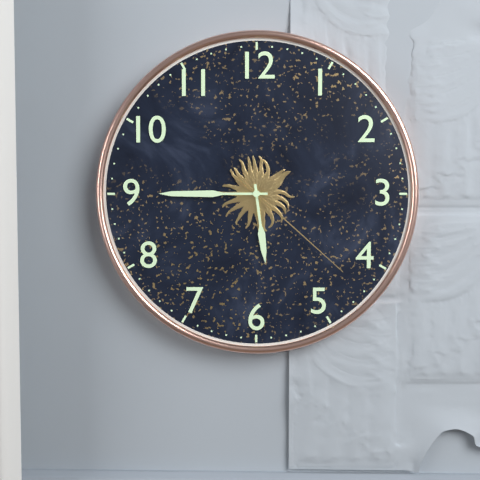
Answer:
5.45.22
